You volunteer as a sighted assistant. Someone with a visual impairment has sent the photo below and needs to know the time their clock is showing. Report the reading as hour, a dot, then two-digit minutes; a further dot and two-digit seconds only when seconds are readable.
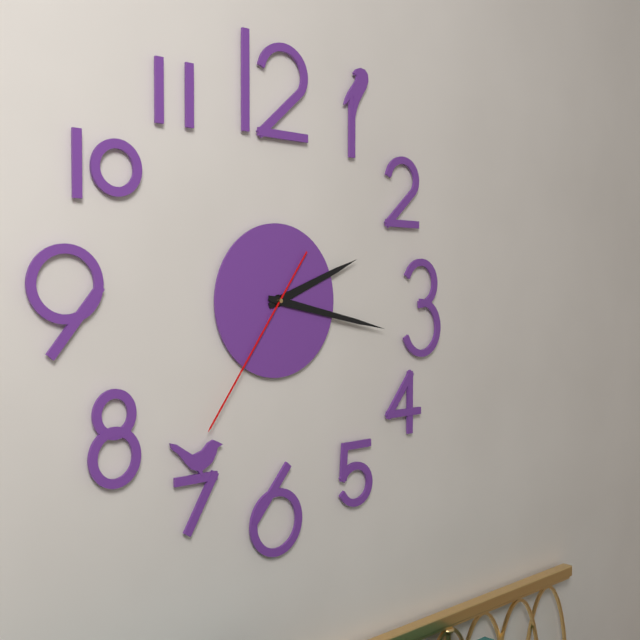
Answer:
2.17.36
